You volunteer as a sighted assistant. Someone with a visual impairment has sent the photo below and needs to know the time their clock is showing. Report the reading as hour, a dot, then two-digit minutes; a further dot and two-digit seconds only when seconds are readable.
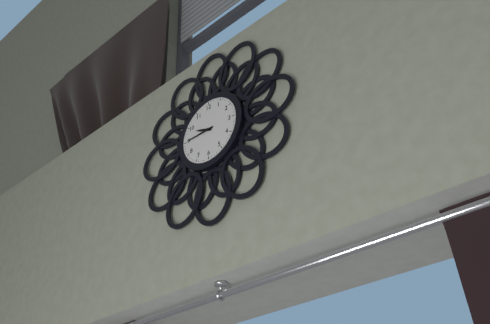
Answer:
9.45
